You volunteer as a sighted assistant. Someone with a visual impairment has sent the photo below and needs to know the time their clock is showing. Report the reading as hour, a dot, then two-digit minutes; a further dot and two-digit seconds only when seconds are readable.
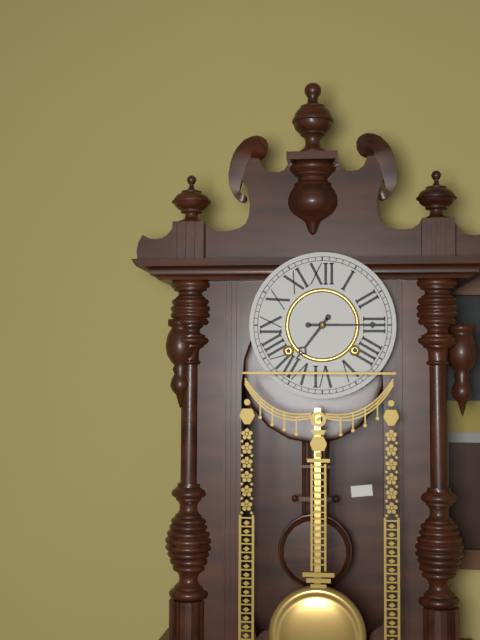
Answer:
7.15
